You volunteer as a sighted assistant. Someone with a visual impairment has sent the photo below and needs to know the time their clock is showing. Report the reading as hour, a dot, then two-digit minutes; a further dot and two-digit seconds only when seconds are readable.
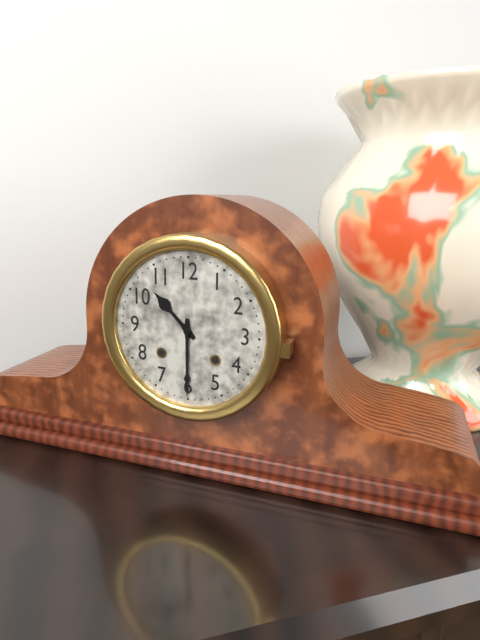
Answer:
10.30
